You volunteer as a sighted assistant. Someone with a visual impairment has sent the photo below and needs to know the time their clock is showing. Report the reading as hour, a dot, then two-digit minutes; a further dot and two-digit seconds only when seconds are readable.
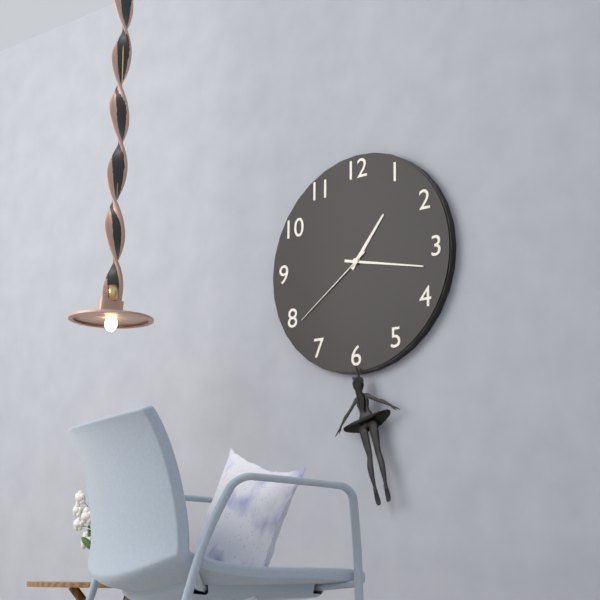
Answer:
1.17.39
